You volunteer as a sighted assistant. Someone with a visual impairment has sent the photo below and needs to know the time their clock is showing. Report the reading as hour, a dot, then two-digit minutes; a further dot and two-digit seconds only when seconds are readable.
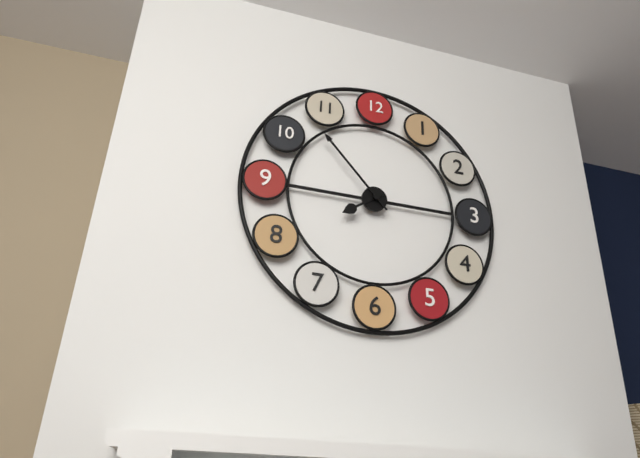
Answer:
7.53
